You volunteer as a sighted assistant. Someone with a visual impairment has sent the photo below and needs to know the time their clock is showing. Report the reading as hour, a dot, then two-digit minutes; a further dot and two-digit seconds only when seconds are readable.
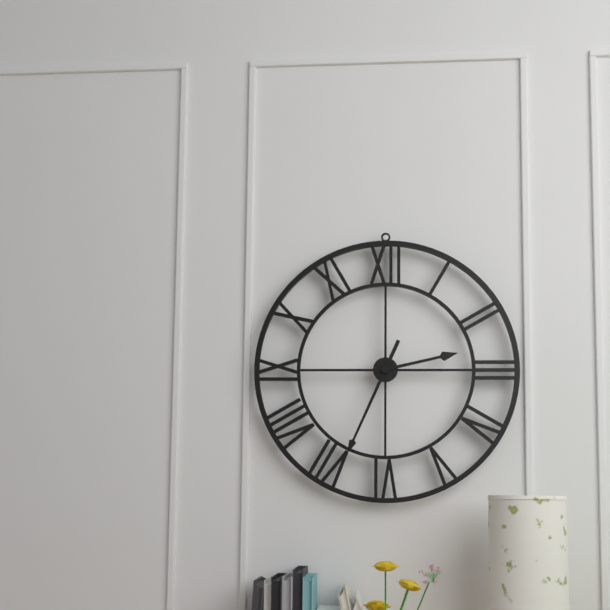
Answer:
2.34
